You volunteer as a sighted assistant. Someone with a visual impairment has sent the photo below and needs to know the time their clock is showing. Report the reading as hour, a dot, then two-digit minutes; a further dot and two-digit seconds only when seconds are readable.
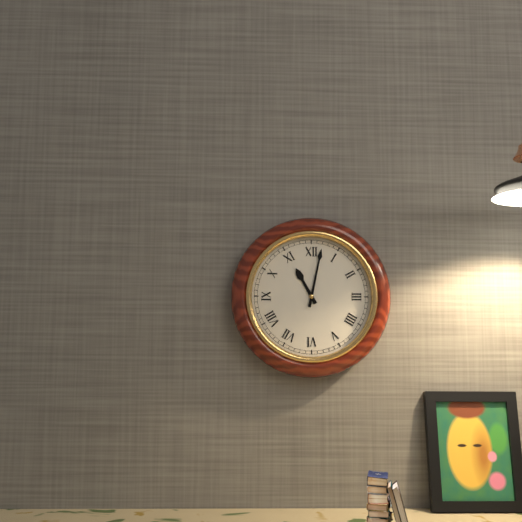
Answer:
11.02
